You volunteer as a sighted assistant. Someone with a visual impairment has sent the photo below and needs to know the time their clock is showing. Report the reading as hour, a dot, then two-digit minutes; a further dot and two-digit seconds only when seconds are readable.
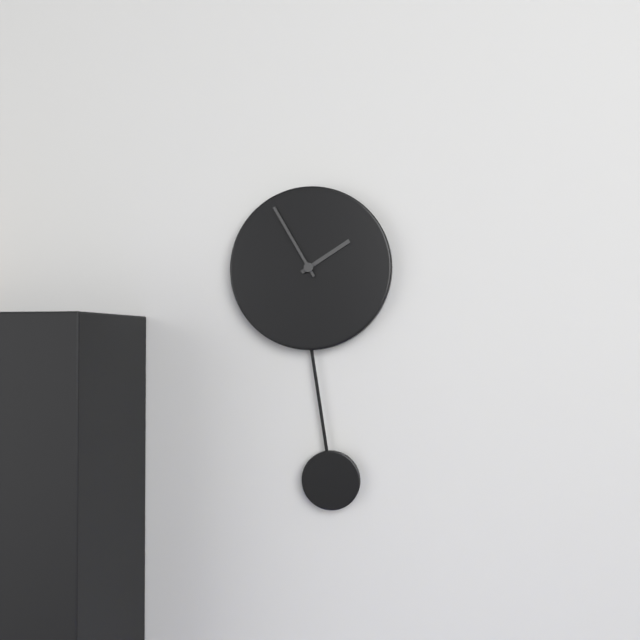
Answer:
1.55
